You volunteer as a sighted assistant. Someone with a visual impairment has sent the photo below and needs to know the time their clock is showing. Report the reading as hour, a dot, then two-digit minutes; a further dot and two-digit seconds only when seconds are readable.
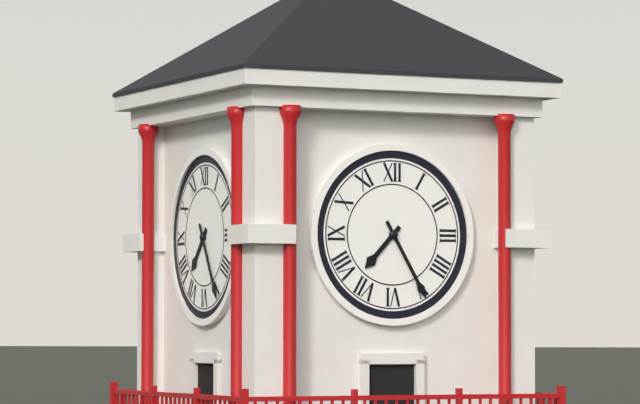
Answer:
7.25
